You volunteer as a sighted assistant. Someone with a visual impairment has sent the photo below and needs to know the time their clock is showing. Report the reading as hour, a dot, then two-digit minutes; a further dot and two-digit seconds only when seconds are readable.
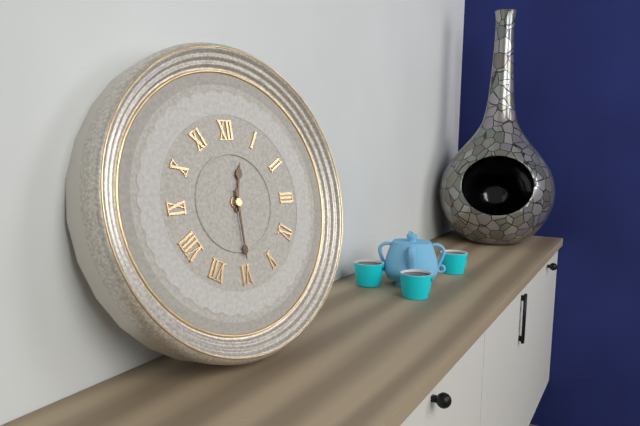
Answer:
12.30
